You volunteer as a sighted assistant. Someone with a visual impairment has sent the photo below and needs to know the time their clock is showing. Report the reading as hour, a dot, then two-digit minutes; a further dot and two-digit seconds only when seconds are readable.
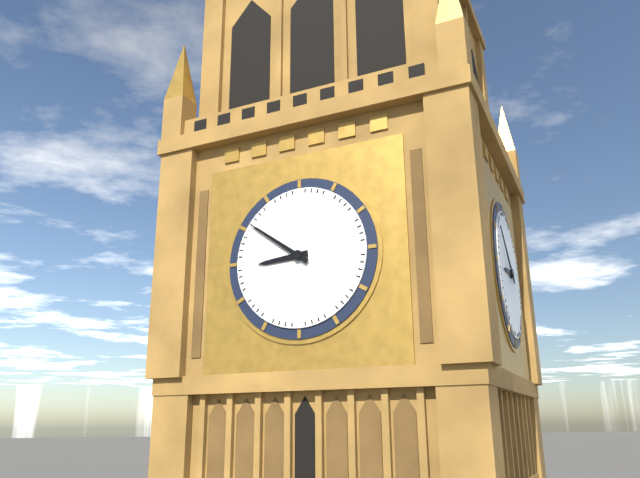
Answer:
8.51
